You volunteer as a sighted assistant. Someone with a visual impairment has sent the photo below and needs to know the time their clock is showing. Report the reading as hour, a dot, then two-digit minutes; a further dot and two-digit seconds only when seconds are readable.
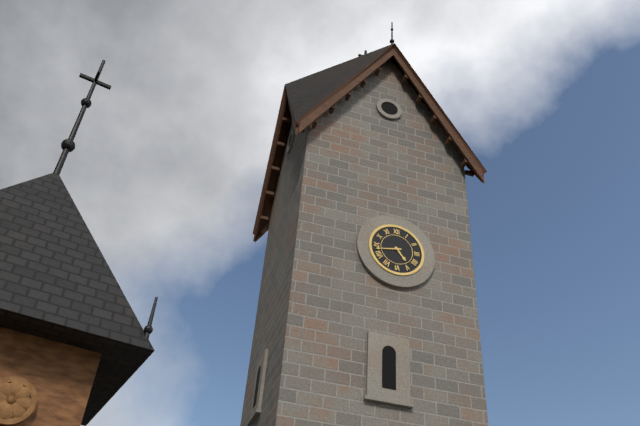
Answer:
4.43
